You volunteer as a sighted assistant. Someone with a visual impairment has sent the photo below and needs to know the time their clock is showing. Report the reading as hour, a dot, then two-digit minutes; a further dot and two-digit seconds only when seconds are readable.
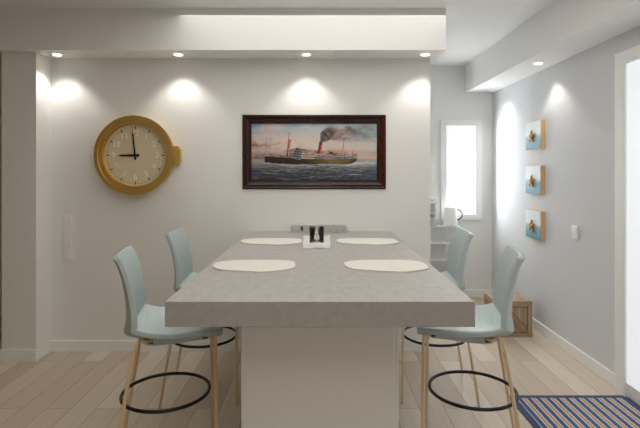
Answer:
8.59
